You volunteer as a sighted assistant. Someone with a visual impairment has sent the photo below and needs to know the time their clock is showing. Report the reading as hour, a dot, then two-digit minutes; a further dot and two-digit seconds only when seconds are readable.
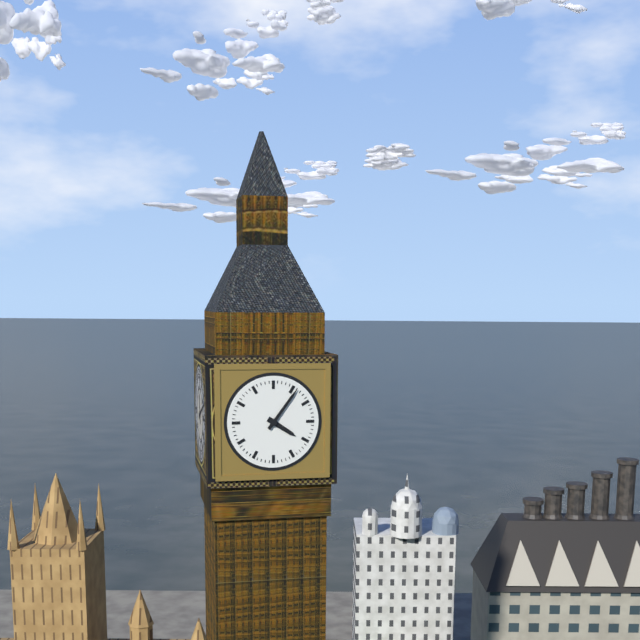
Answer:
4.06
